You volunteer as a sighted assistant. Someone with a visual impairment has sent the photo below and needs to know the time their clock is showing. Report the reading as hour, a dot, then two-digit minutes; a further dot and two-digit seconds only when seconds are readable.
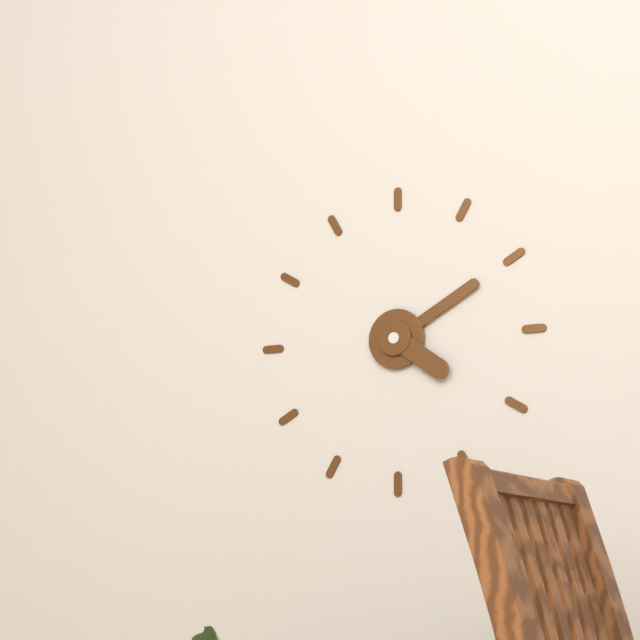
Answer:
4.10
